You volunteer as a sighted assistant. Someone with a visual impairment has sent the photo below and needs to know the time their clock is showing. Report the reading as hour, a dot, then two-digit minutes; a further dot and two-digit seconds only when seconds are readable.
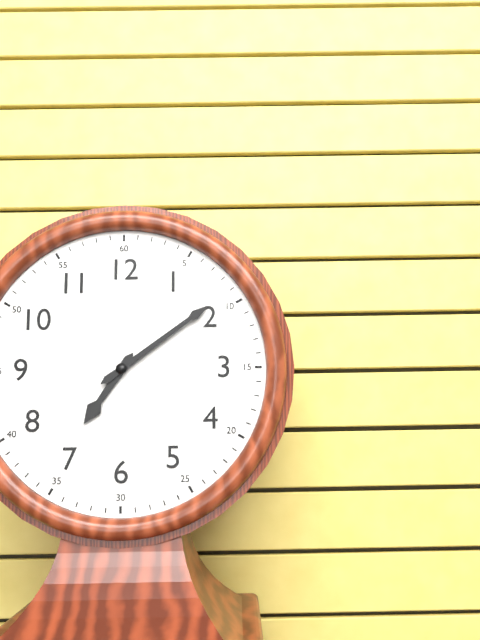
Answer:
7.09
